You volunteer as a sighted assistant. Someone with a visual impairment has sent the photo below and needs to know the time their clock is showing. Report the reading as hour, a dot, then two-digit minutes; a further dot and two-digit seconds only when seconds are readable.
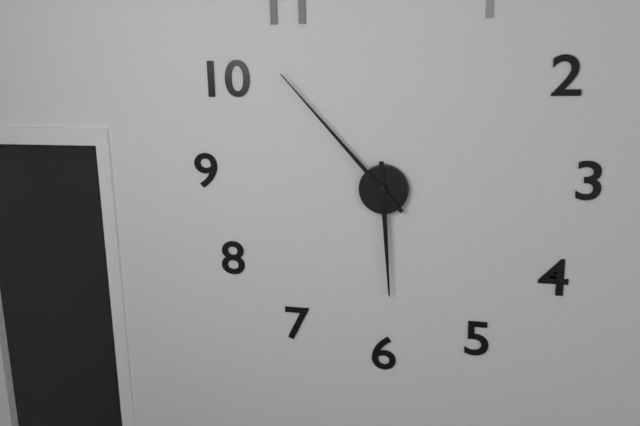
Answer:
5.53
